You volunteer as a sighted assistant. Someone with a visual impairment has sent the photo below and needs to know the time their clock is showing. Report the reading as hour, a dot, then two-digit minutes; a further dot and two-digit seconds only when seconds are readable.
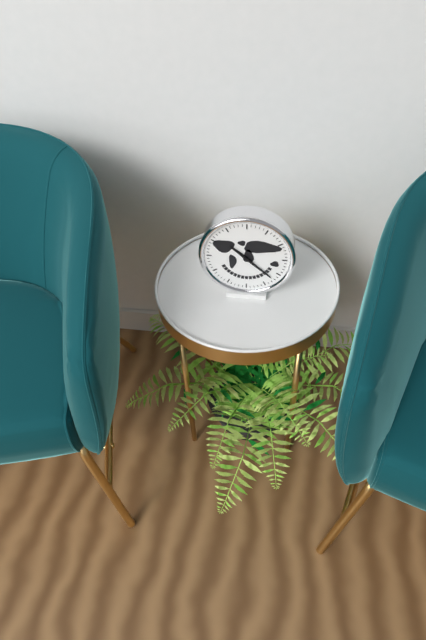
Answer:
10.22
